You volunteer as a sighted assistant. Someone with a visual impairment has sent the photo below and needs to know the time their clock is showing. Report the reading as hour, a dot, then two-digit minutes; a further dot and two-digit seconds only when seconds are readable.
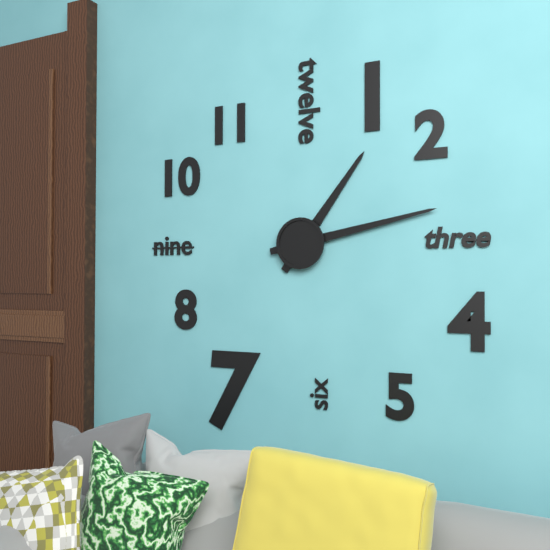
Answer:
1.13
